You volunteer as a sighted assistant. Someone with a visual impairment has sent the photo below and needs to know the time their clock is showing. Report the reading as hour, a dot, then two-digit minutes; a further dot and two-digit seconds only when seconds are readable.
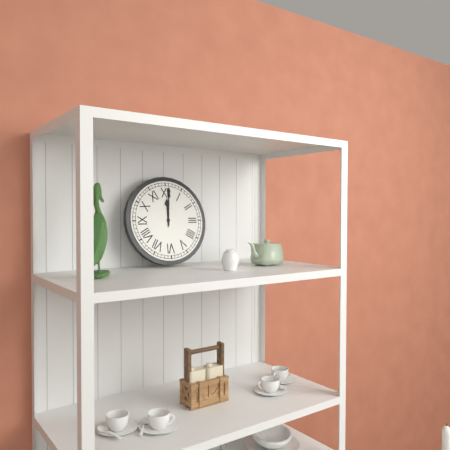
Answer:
12.01
